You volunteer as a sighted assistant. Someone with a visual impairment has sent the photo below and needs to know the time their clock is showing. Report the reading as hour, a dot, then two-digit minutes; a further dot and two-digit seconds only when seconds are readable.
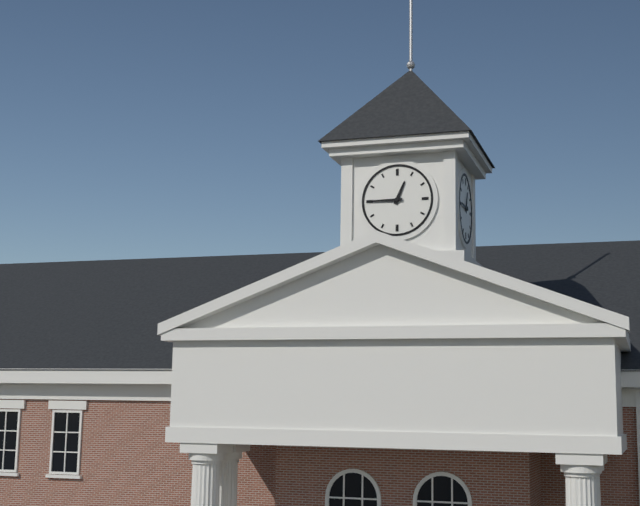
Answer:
12.45
